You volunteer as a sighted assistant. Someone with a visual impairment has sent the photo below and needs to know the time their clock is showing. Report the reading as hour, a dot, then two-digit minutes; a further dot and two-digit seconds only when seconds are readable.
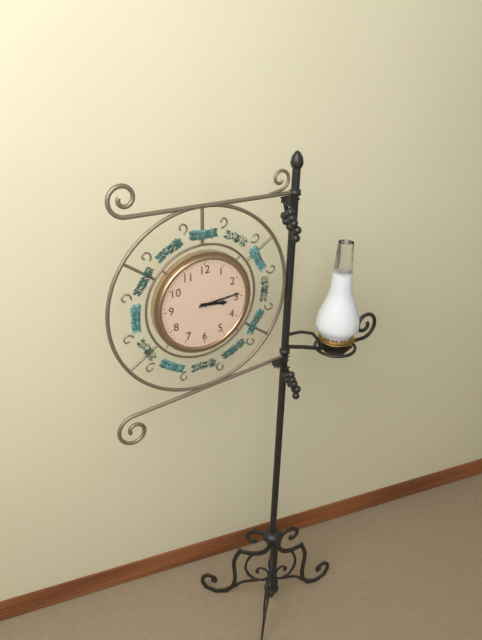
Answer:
3.14
